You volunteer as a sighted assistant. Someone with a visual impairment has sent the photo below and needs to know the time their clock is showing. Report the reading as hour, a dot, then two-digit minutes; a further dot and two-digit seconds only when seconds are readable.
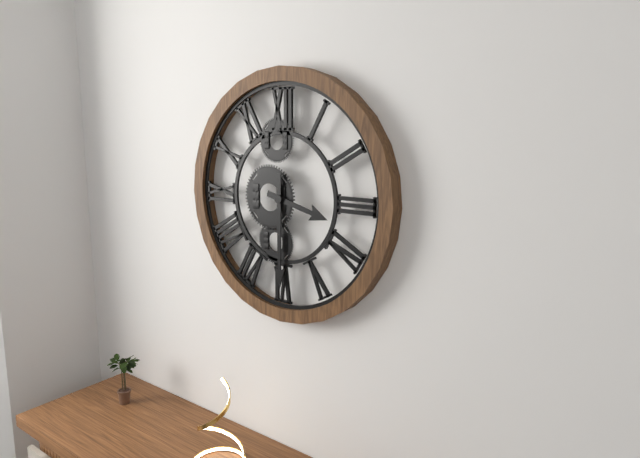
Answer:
3.30
